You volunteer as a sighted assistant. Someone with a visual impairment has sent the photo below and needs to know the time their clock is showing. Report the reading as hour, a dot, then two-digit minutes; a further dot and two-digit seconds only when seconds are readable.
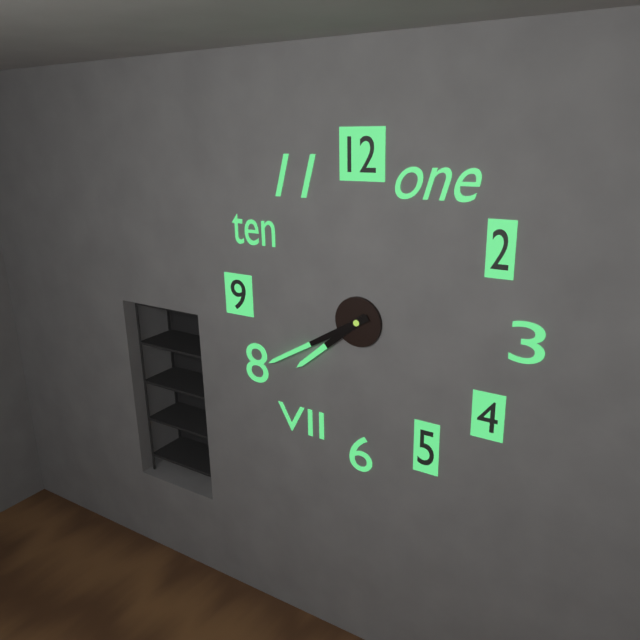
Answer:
7.40
